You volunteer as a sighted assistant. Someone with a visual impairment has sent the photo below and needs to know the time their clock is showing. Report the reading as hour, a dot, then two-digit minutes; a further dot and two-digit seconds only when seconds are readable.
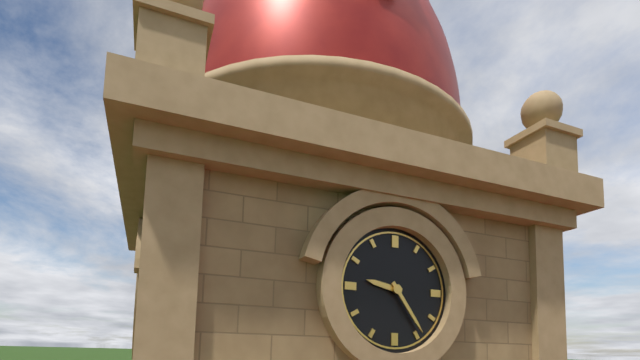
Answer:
9.24
